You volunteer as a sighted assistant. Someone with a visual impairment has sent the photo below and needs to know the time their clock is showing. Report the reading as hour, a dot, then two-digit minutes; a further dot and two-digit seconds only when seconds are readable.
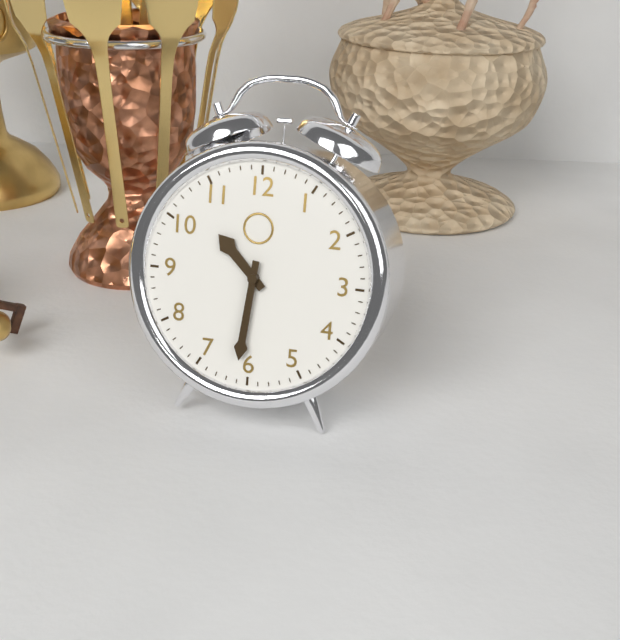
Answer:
10.31
